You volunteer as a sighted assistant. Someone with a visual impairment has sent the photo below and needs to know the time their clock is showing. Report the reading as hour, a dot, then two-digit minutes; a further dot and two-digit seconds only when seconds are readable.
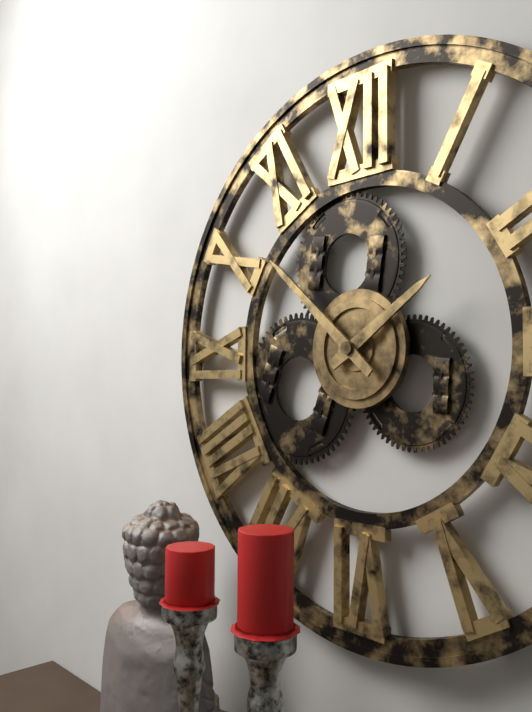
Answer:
1.52
